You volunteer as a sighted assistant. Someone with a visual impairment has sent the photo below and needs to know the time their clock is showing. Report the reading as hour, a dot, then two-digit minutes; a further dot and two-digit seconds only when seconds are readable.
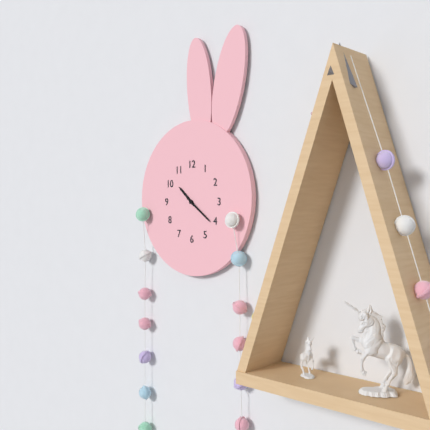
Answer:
10.21
